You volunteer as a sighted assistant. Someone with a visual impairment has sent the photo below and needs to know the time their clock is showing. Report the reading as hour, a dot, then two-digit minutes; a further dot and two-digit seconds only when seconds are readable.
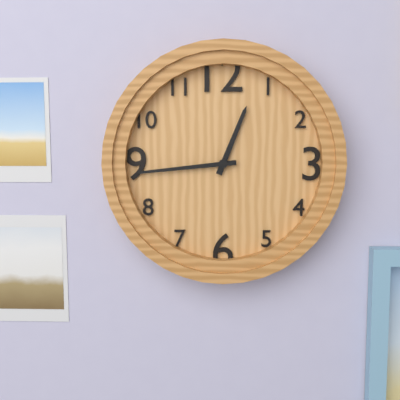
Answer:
12.44
